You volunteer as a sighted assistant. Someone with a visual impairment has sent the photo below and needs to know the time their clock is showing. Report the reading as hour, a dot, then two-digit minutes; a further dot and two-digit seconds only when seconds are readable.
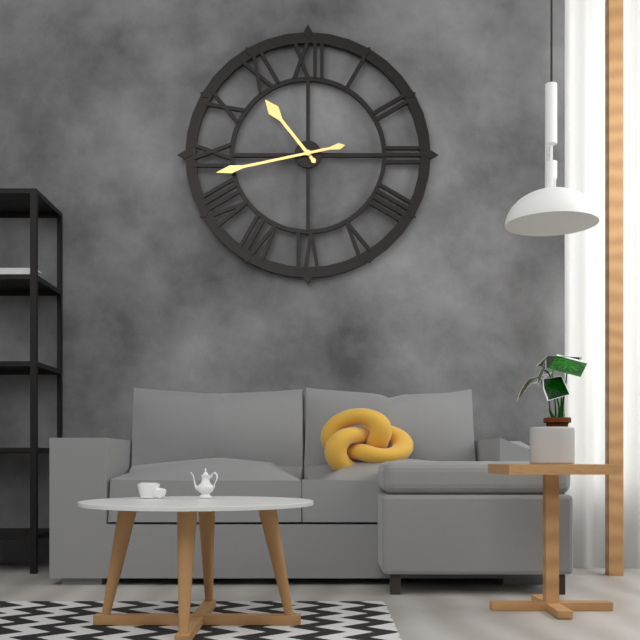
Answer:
10.43
